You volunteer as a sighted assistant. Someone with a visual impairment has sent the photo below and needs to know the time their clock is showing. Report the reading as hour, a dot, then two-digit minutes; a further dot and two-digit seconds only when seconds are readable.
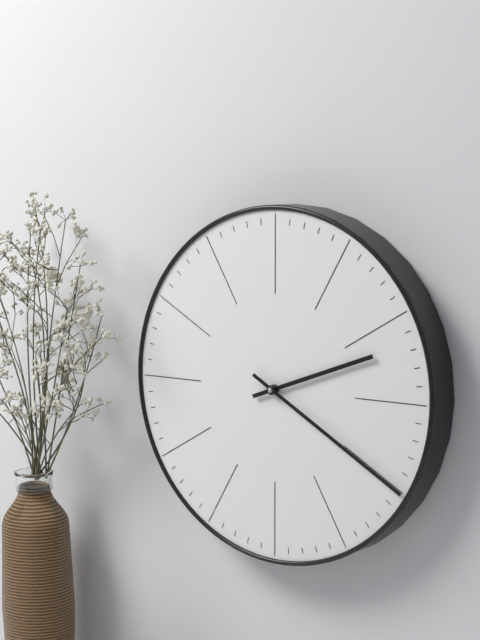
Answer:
2.20
